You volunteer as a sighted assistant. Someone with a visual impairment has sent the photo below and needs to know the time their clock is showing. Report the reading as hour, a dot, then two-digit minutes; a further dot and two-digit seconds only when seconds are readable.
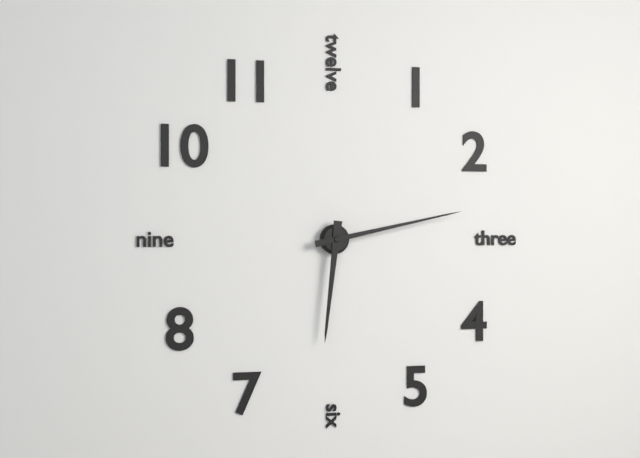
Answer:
6.13
